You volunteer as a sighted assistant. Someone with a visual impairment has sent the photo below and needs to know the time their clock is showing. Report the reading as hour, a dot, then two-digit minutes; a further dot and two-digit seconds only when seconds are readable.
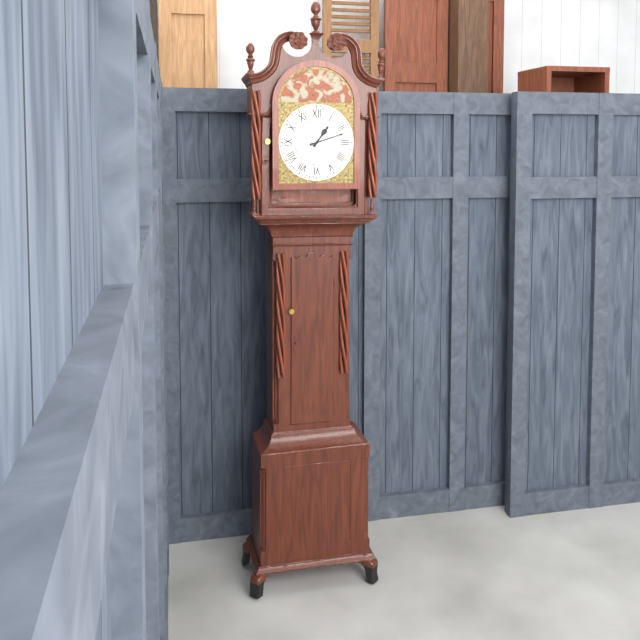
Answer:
1.12
